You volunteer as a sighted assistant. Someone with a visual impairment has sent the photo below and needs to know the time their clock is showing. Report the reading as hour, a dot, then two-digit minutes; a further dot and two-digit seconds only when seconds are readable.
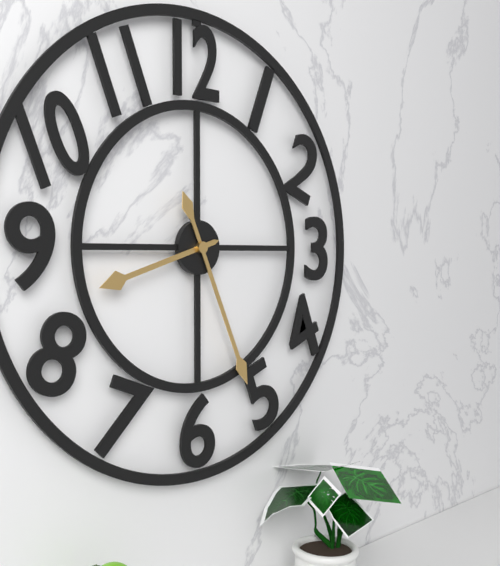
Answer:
8.26
